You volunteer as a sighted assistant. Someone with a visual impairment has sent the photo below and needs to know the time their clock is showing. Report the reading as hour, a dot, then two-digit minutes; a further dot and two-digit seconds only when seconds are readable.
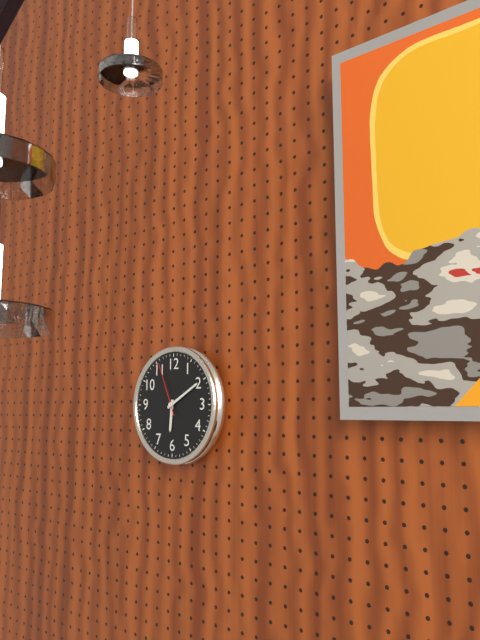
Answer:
6.10.56
